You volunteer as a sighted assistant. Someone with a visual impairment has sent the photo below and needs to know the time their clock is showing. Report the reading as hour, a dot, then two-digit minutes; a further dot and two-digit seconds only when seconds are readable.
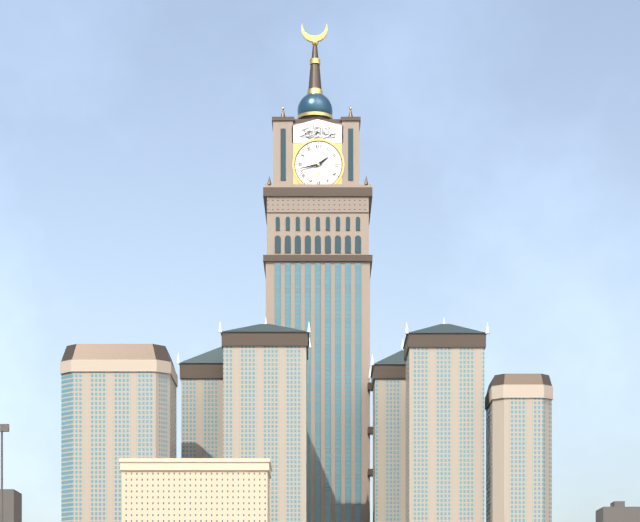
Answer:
1.43
